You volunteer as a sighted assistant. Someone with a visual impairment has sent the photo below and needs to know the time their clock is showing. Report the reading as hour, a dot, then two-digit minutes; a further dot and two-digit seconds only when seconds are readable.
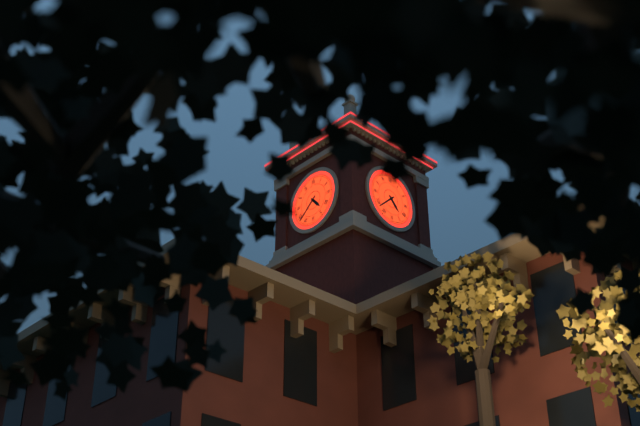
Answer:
4.38
